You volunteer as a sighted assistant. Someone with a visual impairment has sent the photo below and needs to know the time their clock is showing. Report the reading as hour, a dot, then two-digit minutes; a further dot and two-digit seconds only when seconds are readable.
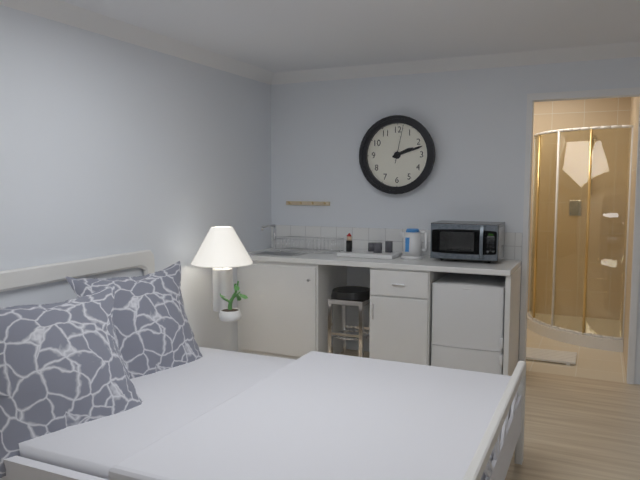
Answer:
2.12
